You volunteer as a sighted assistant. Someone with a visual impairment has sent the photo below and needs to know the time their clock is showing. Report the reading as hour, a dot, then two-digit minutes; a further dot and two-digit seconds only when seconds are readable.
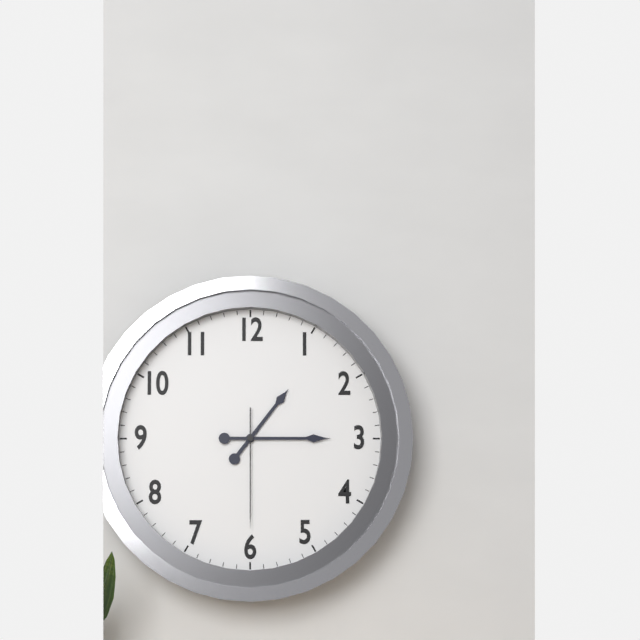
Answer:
1.15.30
